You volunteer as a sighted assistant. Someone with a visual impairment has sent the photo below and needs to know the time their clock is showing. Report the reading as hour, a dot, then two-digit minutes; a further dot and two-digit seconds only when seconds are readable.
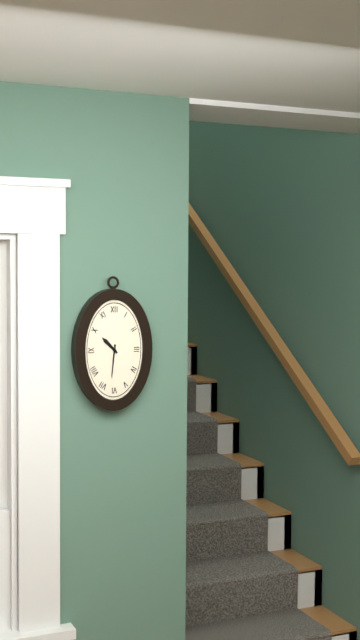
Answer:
10.31
